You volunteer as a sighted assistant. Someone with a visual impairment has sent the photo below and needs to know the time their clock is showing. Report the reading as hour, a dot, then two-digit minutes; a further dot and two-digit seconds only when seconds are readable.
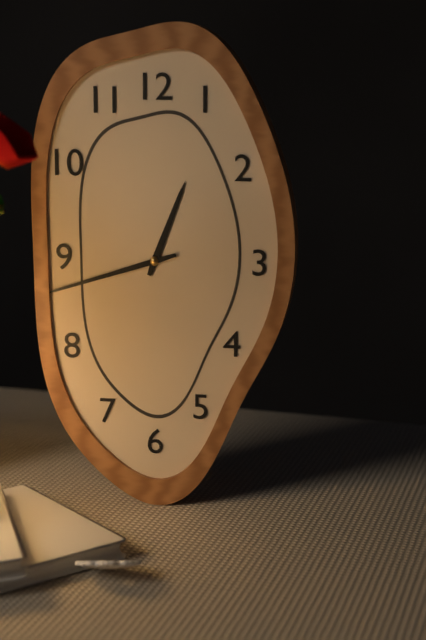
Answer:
12.42
